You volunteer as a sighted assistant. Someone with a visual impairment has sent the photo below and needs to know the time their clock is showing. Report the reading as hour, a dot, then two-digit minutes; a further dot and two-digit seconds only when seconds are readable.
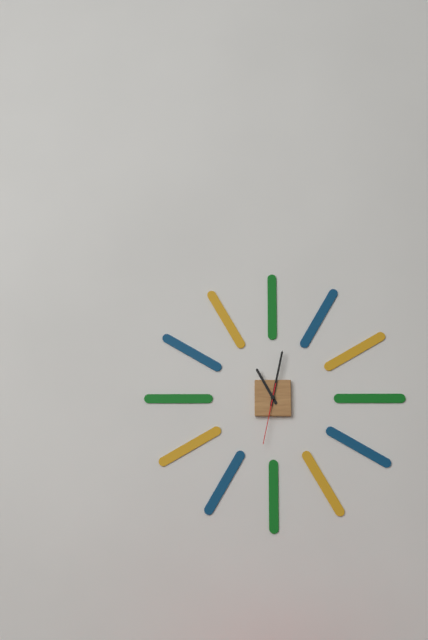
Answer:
11.02.32
